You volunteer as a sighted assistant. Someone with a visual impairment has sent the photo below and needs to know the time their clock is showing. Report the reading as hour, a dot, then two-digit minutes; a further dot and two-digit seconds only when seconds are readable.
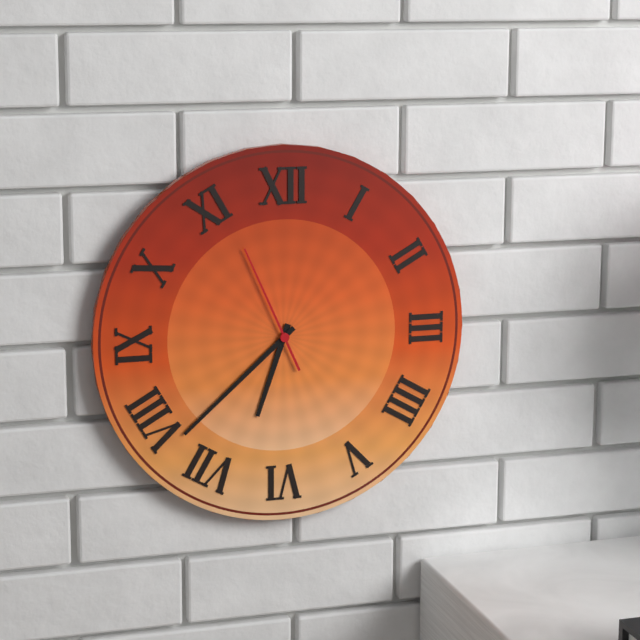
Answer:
6.38.56
